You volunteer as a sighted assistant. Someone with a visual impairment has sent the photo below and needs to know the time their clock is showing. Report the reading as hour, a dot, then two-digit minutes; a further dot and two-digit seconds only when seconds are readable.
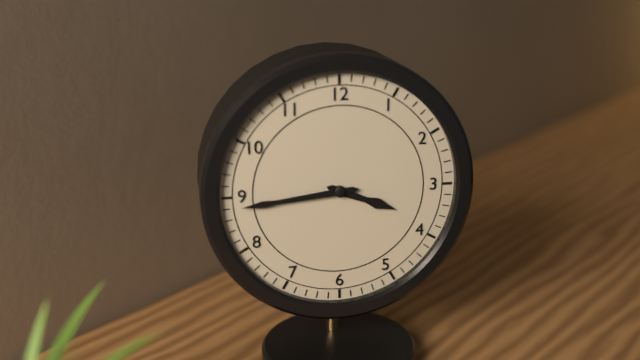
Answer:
3.44
